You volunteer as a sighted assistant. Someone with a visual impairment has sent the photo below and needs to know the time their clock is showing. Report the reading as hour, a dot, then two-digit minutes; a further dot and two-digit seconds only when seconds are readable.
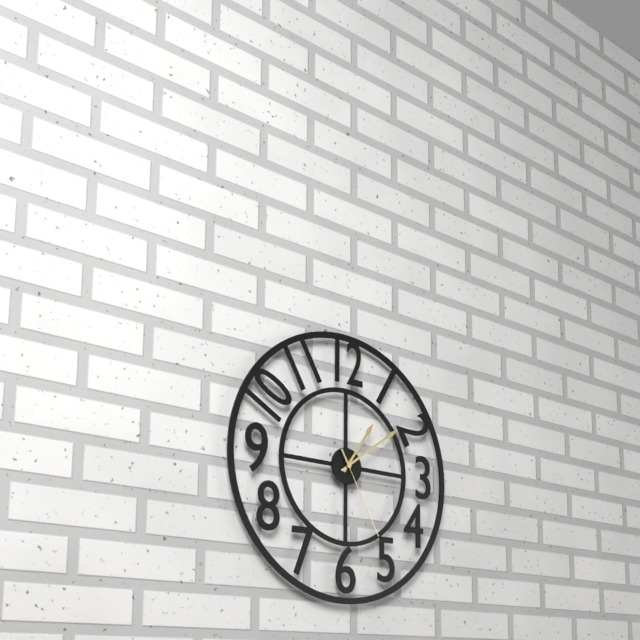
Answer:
1.09.25
